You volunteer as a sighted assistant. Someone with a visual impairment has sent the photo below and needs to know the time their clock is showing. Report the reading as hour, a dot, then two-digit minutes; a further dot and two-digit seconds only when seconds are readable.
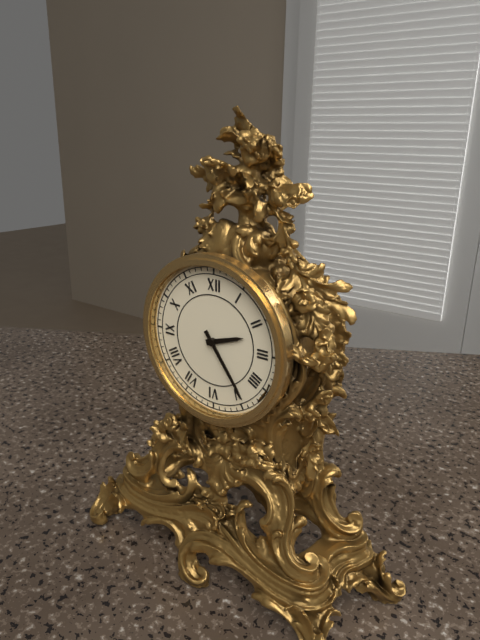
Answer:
2.24
